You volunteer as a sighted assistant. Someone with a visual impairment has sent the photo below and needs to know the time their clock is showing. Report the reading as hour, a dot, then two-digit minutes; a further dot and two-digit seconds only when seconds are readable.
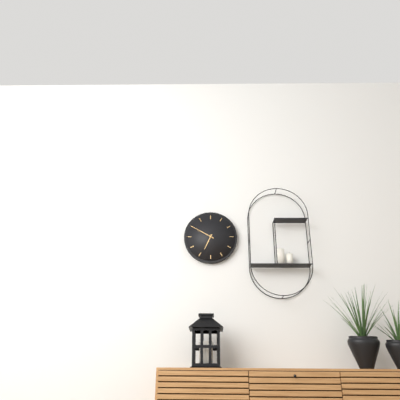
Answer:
6.50
